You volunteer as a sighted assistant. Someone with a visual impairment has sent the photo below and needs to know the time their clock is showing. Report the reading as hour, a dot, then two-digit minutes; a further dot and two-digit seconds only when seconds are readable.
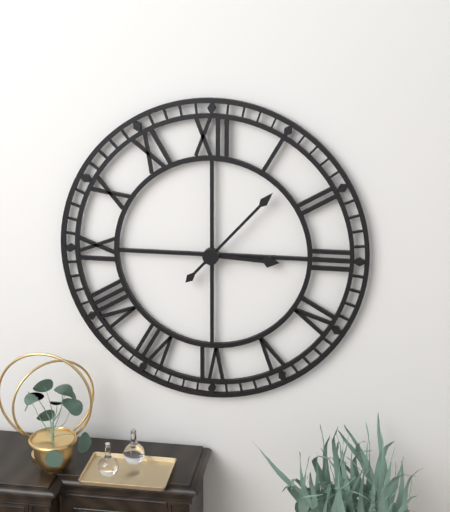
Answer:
3.07
